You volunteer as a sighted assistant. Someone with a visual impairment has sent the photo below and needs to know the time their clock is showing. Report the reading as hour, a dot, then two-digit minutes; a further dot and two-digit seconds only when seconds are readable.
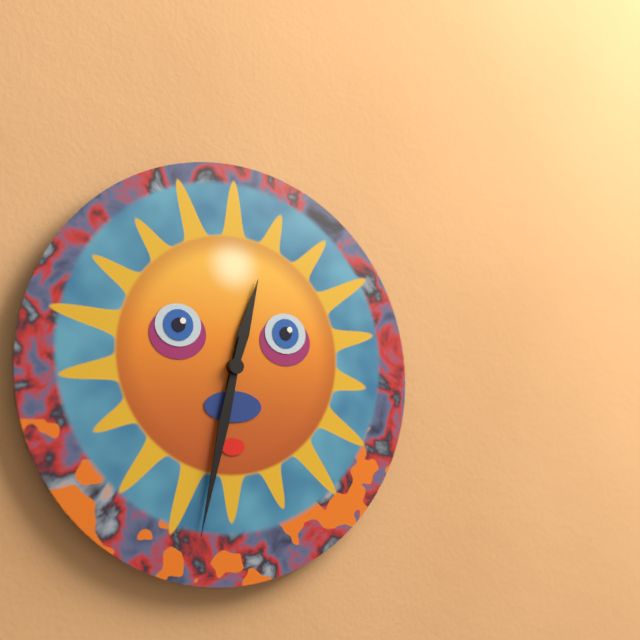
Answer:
12.32
